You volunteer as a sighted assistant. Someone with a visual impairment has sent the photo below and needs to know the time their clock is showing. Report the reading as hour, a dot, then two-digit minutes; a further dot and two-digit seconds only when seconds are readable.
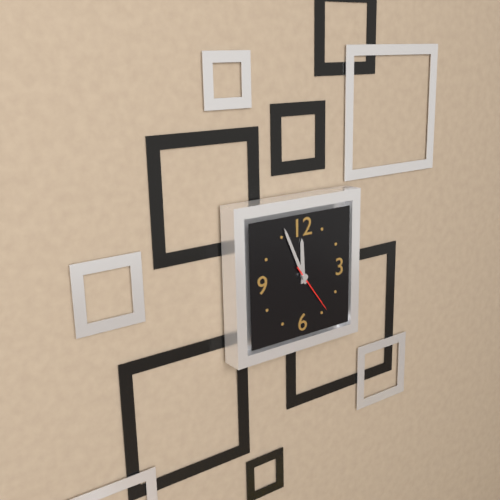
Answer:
11.56.24
